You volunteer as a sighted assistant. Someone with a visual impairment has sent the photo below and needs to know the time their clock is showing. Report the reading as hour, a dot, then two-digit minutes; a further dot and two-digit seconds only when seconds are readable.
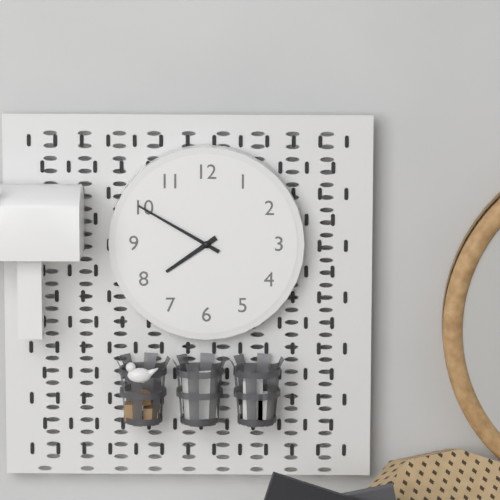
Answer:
7.50
